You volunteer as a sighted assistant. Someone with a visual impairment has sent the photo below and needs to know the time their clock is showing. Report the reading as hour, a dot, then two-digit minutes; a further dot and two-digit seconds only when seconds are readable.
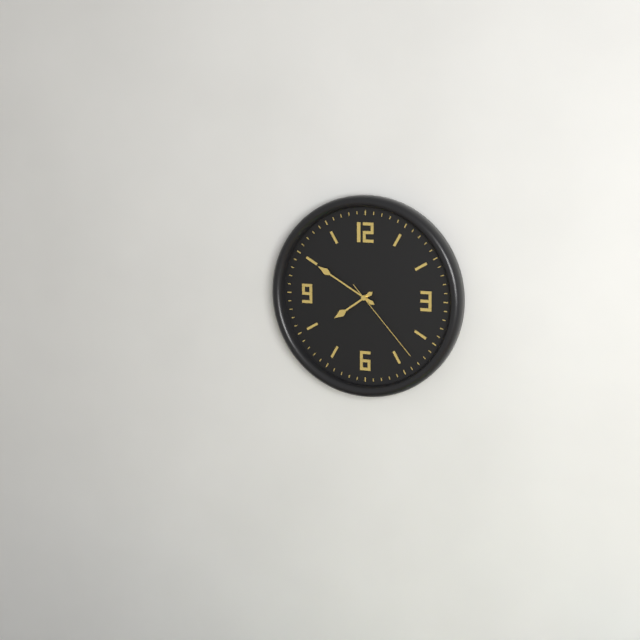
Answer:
7.50.23
